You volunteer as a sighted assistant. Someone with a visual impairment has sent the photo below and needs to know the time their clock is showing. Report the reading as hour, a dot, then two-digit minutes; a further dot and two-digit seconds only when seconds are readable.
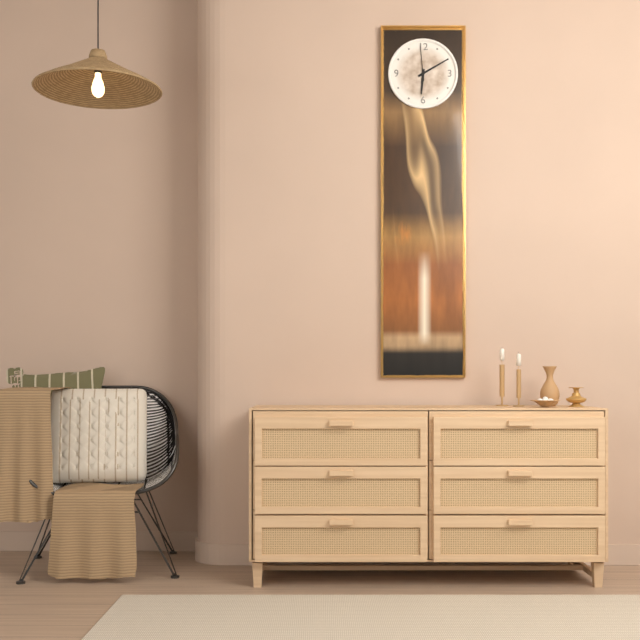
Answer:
6.10
